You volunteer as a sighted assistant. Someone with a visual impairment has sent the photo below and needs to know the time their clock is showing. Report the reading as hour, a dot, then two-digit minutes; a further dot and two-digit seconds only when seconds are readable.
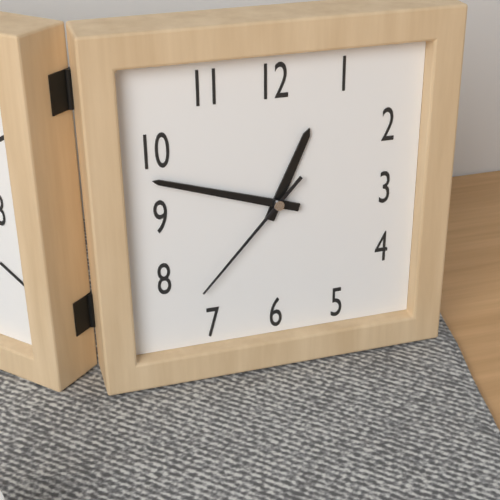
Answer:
12.48.37
